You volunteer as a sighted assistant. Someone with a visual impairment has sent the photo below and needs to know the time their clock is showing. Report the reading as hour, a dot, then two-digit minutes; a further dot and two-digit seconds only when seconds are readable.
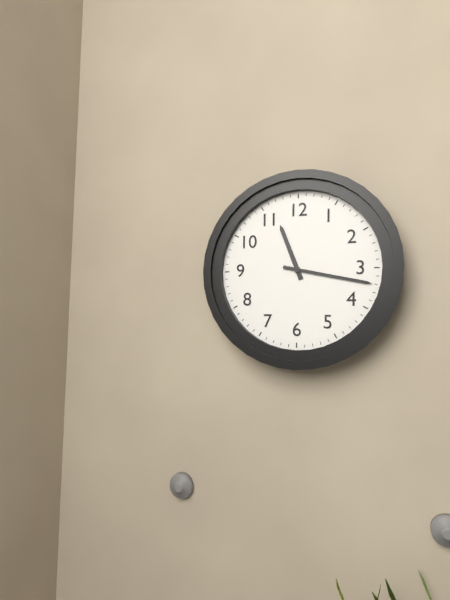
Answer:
11.17
